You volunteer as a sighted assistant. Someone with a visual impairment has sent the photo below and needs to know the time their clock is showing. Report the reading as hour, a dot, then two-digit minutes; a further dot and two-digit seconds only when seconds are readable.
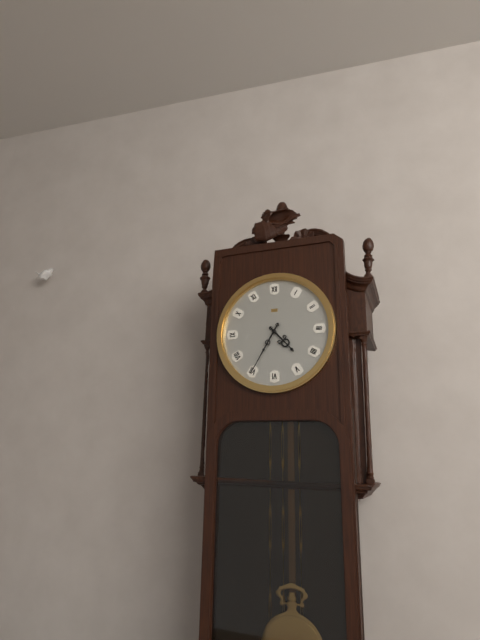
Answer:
4.35
